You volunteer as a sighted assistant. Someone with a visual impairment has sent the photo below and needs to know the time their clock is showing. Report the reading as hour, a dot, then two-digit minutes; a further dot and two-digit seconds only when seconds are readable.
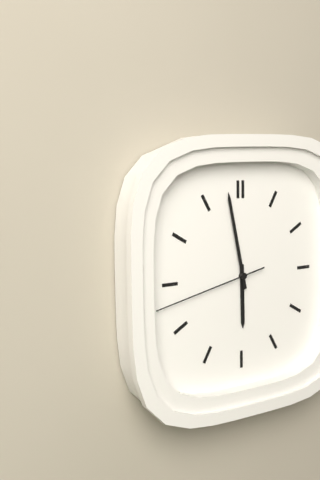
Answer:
5.58.43
